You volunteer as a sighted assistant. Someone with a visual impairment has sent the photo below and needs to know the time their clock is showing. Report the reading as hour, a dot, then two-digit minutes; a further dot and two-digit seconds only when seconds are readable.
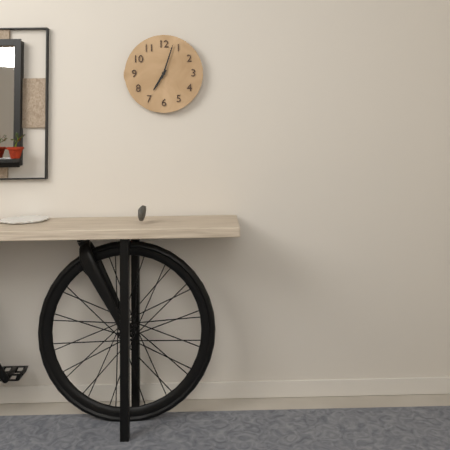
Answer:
7.03
